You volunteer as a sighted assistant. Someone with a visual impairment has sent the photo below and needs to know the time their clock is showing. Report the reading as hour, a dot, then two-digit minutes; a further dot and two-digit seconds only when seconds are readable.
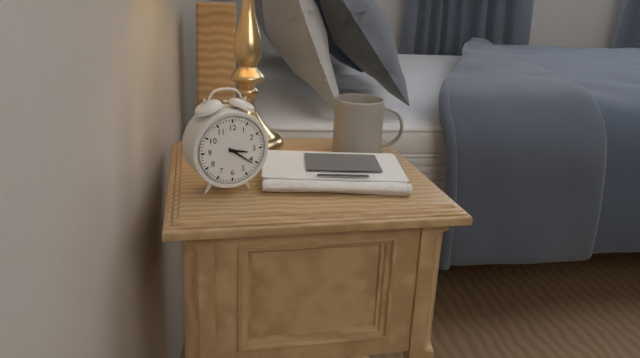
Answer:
3.21
